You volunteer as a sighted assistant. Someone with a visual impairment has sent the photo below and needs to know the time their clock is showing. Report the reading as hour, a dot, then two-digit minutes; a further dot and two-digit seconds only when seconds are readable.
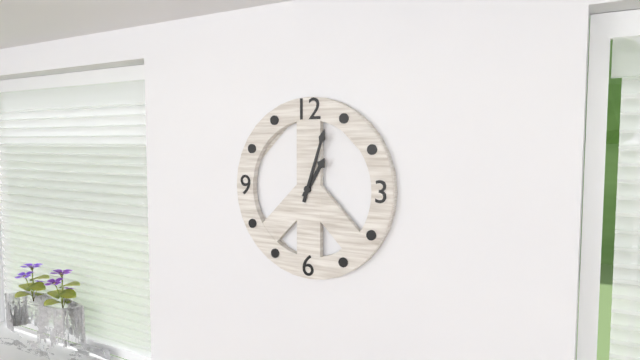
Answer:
1.03
